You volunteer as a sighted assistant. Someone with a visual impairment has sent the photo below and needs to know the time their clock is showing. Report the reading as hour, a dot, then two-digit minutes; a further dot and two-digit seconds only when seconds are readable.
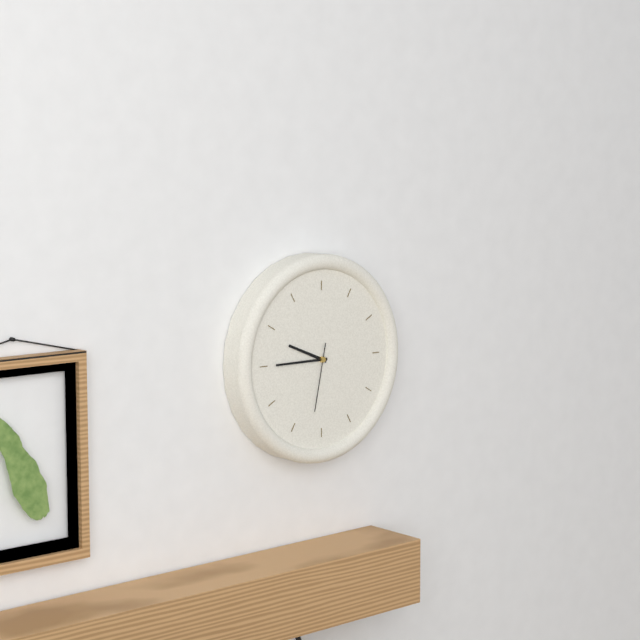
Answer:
9.45.32
